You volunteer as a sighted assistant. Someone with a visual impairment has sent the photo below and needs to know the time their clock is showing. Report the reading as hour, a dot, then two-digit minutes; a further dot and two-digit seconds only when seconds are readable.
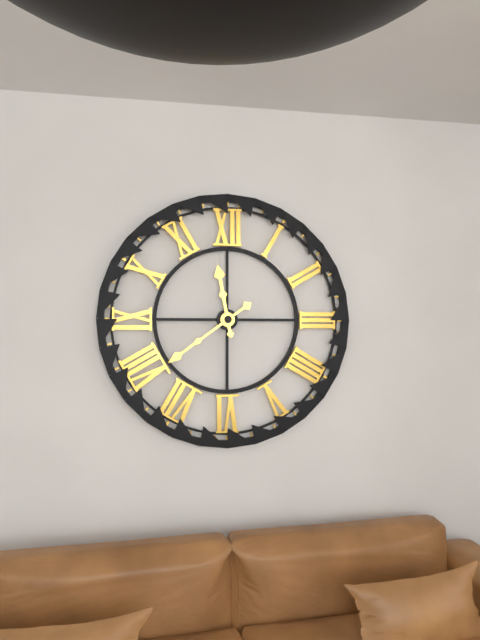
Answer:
11.39
